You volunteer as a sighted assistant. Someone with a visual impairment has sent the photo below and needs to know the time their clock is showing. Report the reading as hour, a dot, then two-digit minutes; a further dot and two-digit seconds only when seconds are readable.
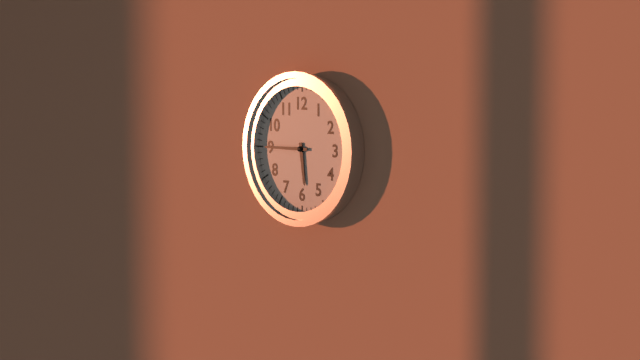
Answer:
5.45
